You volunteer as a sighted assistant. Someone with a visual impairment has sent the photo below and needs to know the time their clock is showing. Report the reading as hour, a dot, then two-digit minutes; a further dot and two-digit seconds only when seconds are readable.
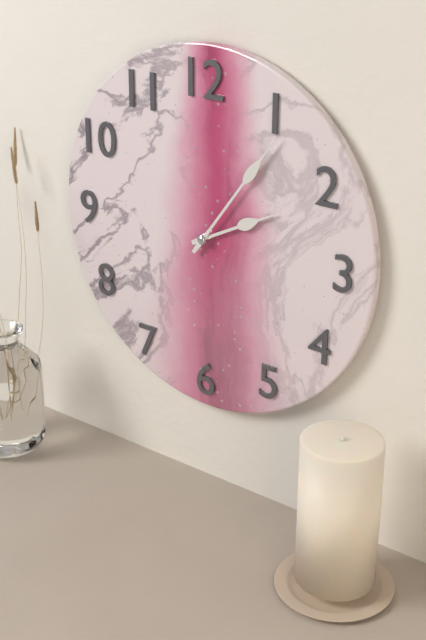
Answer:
2.06
